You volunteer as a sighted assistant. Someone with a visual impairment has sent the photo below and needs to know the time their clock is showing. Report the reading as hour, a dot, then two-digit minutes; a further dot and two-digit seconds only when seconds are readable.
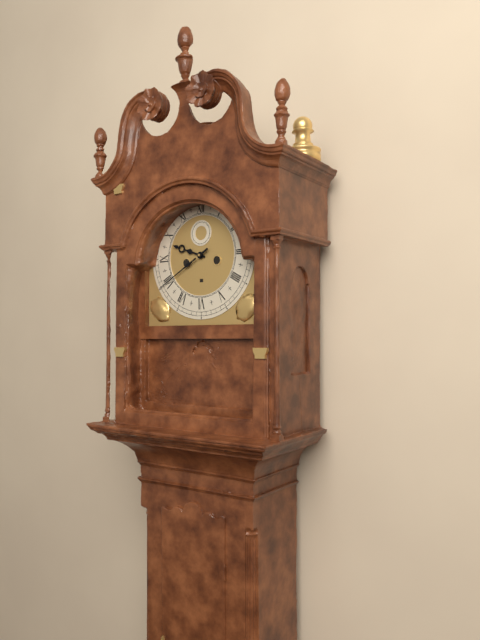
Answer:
9.40
